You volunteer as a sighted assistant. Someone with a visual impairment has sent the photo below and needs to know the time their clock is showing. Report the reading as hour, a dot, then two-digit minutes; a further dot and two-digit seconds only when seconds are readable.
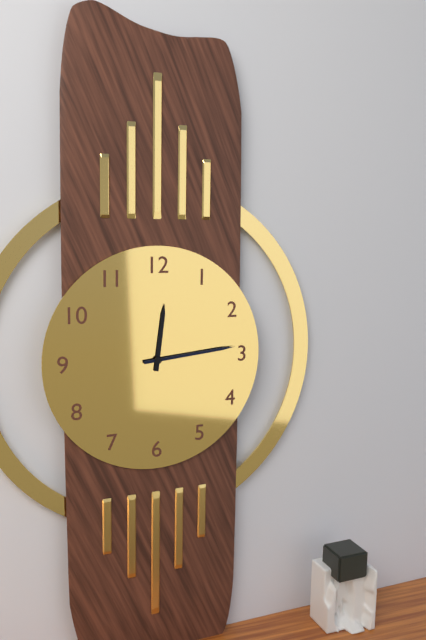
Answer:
12.14
